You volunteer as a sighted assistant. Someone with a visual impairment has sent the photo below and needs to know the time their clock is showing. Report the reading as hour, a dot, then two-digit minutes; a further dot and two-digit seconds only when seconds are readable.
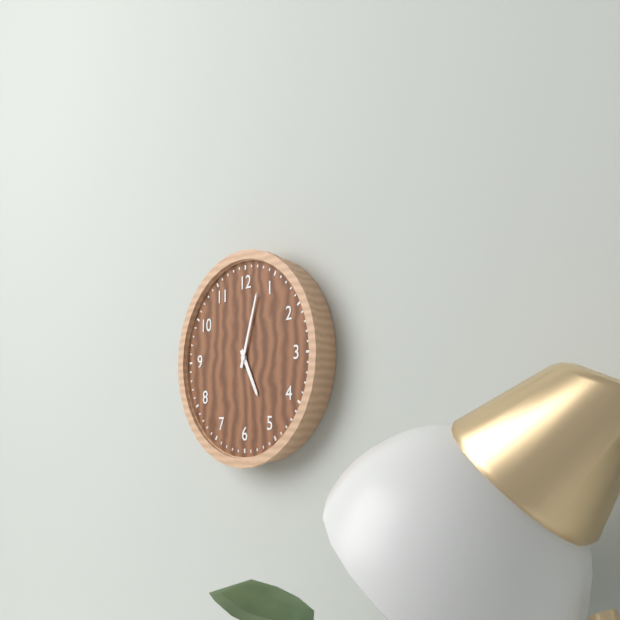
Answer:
5.03
